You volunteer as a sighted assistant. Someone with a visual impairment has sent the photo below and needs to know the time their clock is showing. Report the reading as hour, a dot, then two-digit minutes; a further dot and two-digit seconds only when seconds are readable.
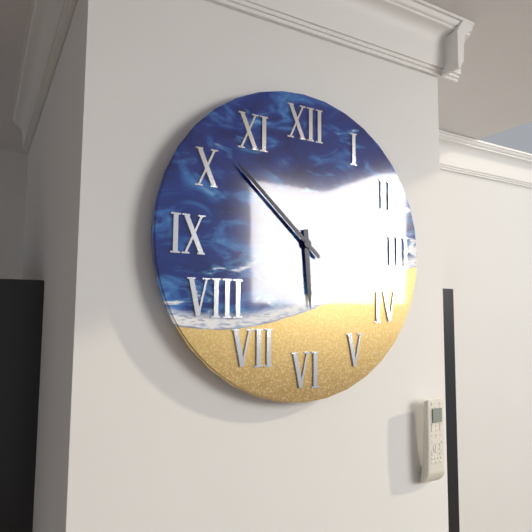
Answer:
5.52
